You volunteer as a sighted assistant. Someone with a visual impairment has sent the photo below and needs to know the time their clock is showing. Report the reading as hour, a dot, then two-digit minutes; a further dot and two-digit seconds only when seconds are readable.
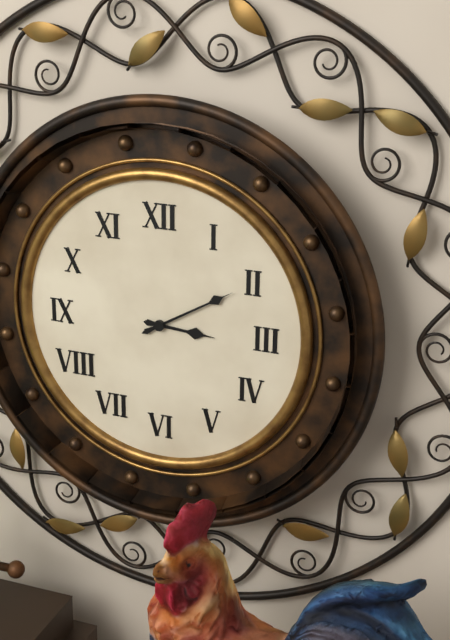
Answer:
3.10
